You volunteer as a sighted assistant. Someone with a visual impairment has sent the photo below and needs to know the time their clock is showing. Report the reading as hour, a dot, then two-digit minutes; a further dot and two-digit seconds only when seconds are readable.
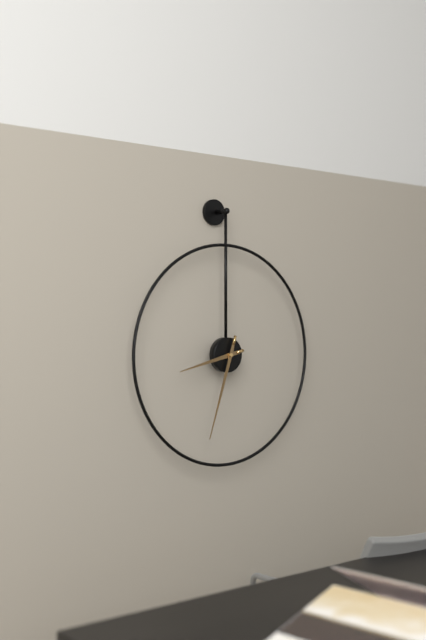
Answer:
8.33
